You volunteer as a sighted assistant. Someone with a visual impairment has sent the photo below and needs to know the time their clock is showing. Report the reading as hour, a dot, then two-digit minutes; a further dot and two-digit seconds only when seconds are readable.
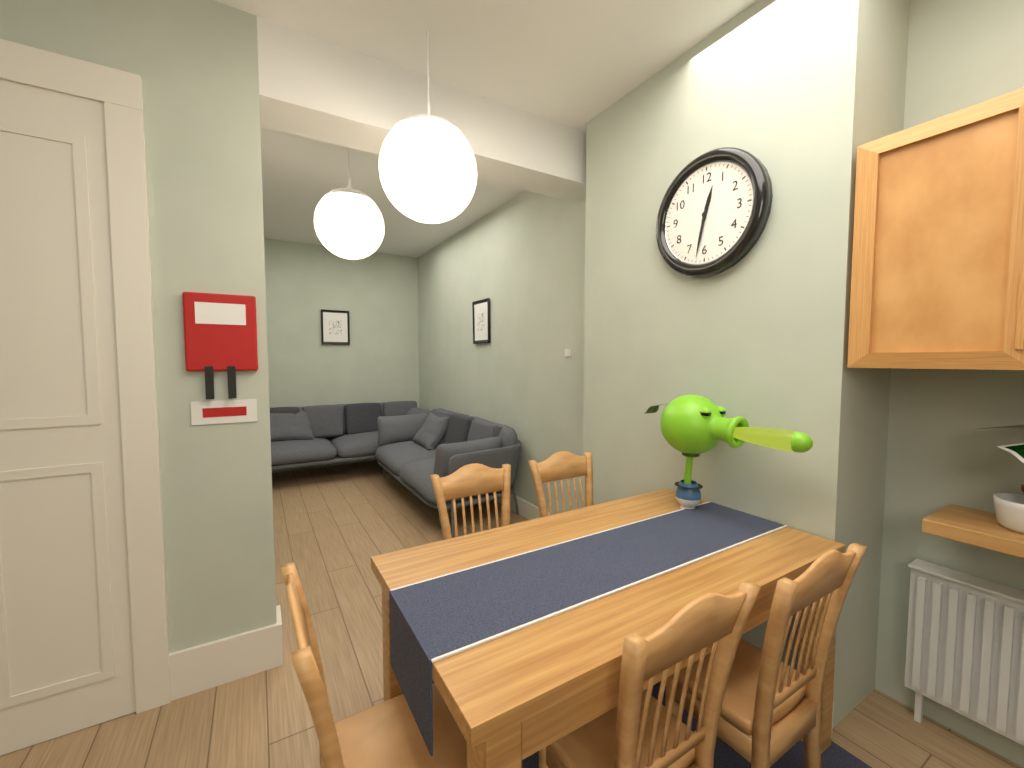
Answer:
12.32
